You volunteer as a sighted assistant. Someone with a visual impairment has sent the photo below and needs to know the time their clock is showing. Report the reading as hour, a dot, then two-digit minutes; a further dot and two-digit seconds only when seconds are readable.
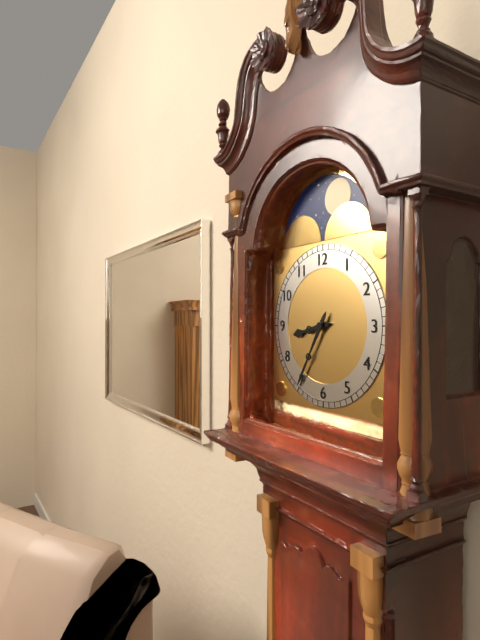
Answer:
8.35
